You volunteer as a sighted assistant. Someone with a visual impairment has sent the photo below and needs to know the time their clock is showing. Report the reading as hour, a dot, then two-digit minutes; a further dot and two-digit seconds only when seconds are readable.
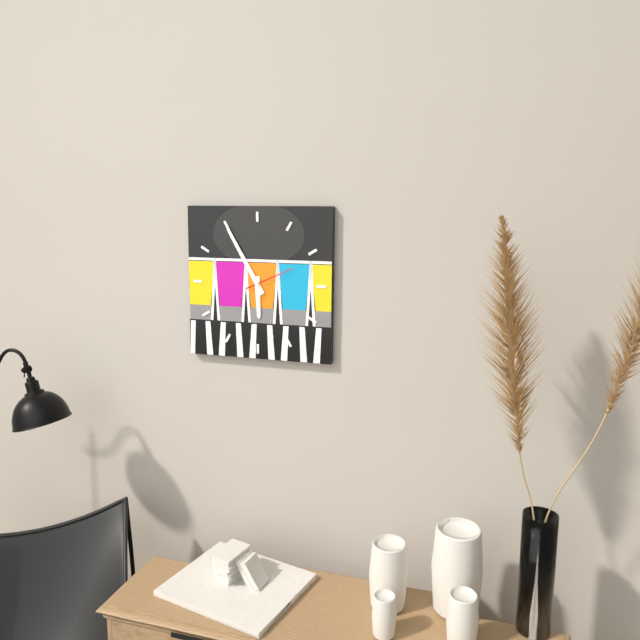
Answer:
5.55
